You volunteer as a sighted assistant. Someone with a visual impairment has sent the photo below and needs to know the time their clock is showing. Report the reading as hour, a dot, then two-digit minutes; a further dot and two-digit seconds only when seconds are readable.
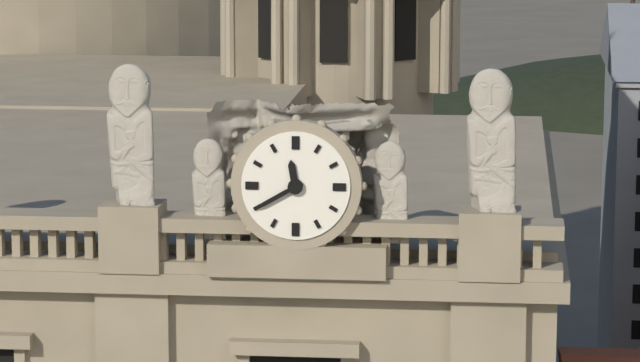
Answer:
11.40
